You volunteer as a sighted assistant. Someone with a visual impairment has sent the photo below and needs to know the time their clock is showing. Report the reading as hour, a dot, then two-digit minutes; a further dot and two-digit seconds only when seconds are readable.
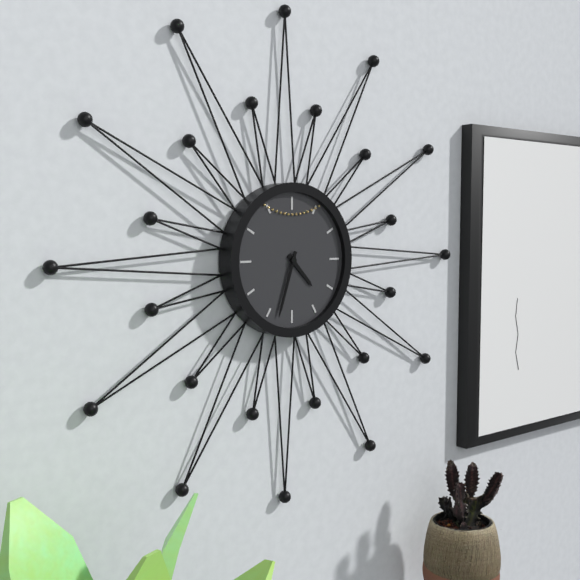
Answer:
4.33
